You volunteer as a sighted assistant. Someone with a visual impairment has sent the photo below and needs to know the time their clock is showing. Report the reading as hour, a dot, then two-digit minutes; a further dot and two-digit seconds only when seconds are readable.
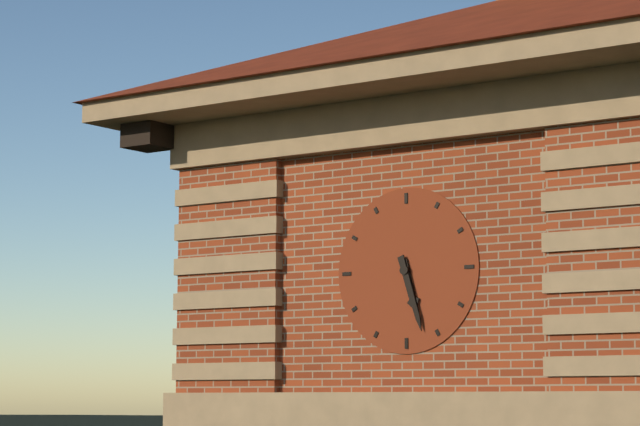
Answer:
5.27
